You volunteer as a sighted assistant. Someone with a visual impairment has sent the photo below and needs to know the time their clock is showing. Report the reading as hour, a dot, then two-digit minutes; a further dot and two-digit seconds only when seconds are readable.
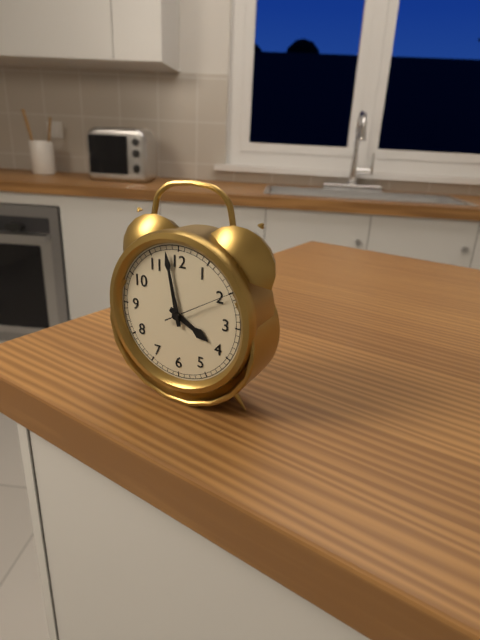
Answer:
3.58.10
